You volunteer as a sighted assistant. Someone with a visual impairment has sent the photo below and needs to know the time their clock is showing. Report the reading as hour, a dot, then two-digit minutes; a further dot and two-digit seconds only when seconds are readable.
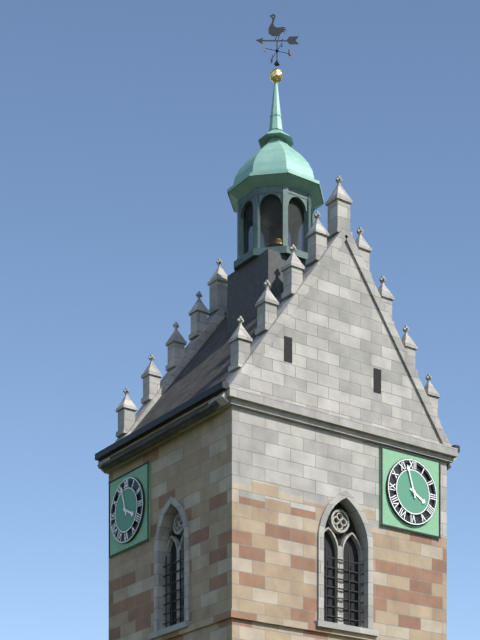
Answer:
3.57
